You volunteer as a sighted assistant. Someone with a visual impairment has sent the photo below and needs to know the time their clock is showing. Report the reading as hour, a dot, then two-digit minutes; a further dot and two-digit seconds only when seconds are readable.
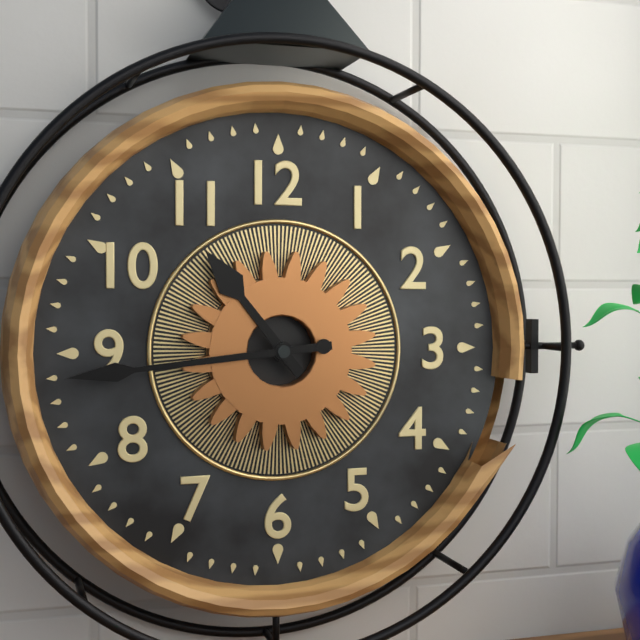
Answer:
10.44
